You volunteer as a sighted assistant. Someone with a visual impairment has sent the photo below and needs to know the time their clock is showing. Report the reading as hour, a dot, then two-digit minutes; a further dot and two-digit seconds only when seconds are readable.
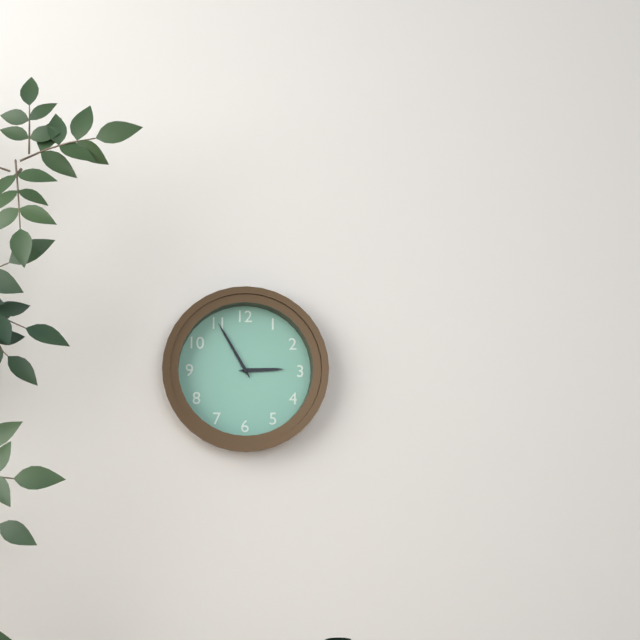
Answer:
2.55
